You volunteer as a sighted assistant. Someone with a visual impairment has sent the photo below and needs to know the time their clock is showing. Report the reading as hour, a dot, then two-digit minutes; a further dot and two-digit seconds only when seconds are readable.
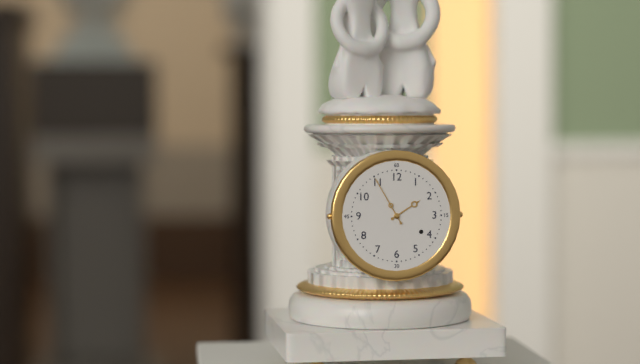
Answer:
1.55
